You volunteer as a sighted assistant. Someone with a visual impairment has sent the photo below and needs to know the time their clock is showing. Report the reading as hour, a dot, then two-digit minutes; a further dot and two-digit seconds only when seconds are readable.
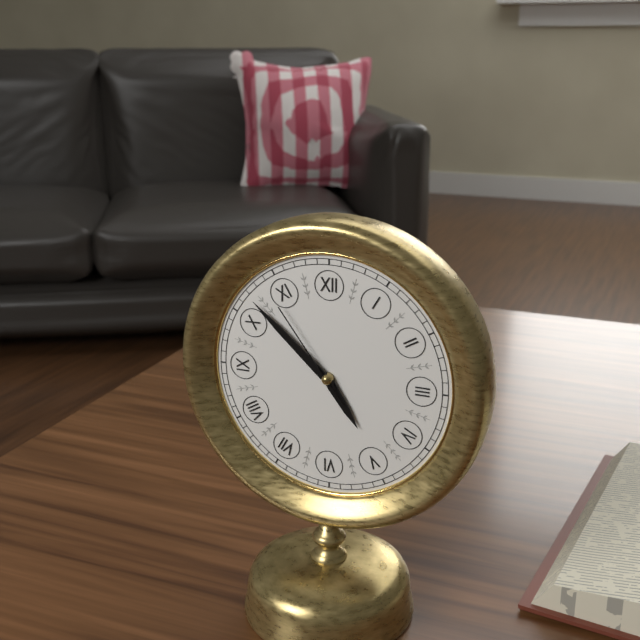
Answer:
4.52.54
